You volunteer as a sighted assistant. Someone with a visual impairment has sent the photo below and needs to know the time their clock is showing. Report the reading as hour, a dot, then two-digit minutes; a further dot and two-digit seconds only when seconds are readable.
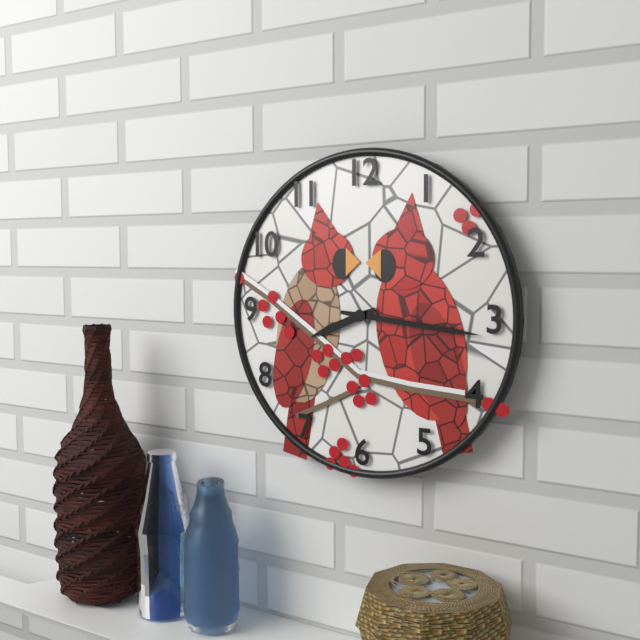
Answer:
8.16
